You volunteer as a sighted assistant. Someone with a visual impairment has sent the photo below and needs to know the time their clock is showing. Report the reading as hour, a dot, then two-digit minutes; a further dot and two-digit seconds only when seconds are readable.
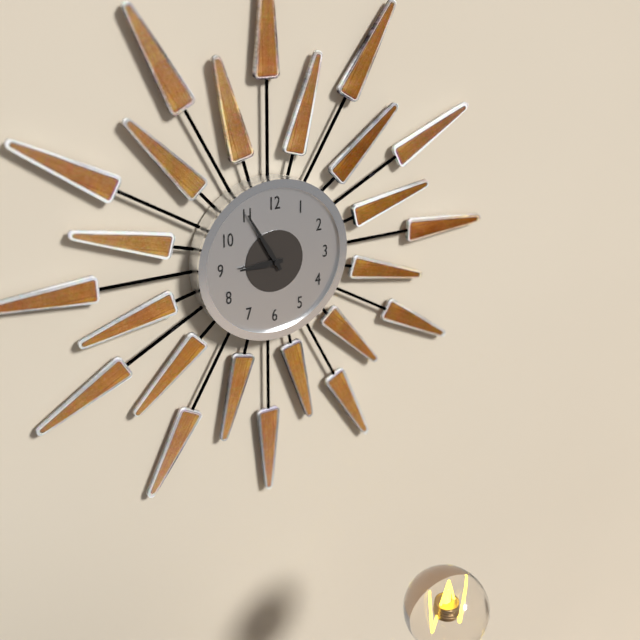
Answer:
8.55
